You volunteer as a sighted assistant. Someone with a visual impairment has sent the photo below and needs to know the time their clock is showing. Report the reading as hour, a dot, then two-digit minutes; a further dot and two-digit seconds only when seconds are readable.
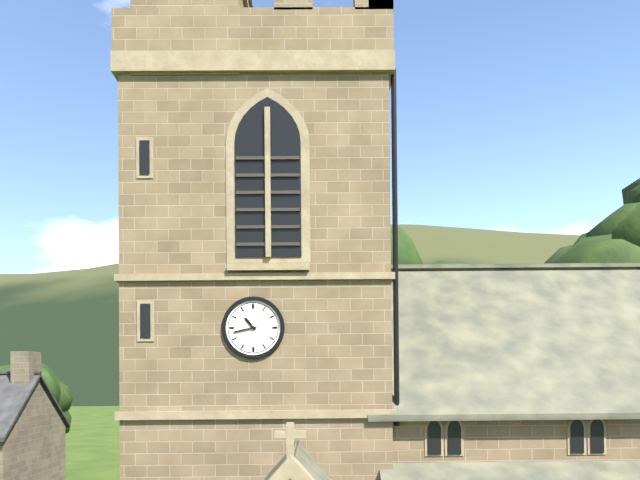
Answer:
10.43
